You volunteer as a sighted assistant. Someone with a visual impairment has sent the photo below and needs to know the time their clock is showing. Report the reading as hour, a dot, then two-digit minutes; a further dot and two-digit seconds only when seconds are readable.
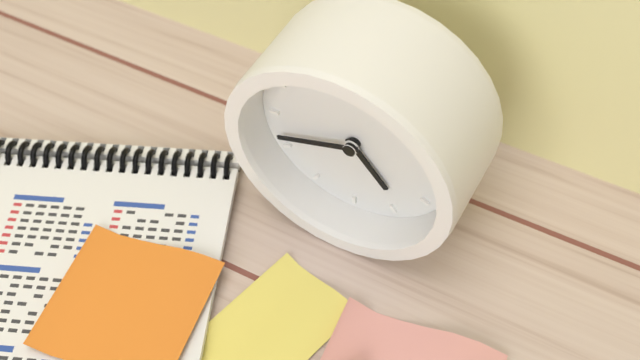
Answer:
4.42
